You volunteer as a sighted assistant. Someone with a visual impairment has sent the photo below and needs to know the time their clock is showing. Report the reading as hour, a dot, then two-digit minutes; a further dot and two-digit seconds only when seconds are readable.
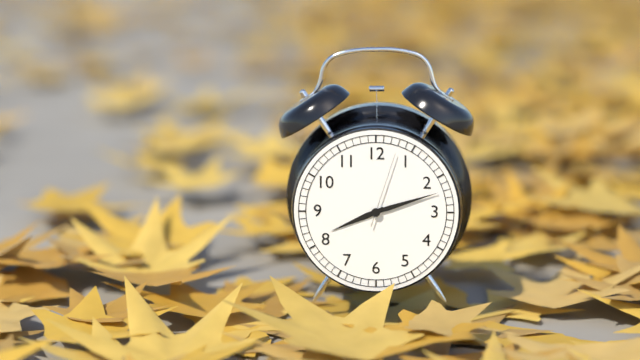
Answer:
8.12.03
